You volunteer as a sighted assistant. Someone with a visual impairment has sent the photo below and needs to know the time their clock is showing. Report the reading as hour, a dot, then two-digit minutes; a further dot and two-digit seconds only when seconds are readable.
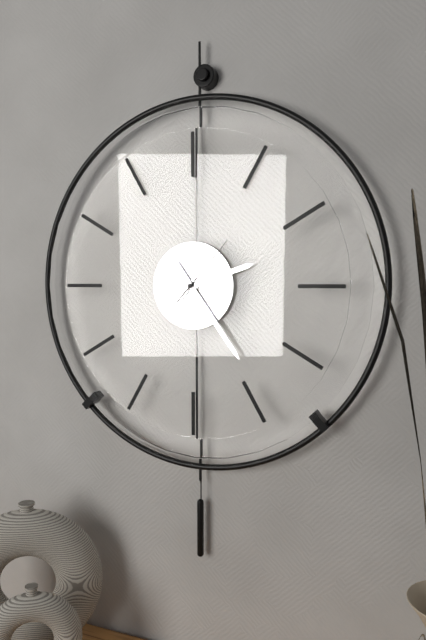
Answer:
2.24.07
